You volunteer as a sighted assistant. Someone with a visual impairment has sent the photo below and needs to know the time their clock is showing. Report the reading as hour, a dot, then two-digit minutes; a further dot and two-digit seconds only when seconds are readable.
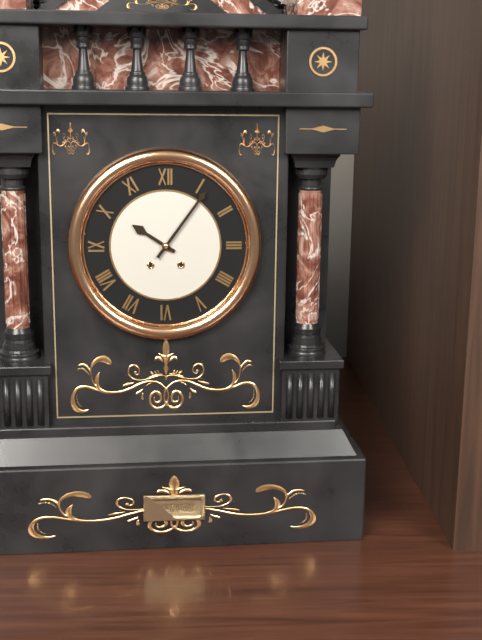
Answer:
10.06
